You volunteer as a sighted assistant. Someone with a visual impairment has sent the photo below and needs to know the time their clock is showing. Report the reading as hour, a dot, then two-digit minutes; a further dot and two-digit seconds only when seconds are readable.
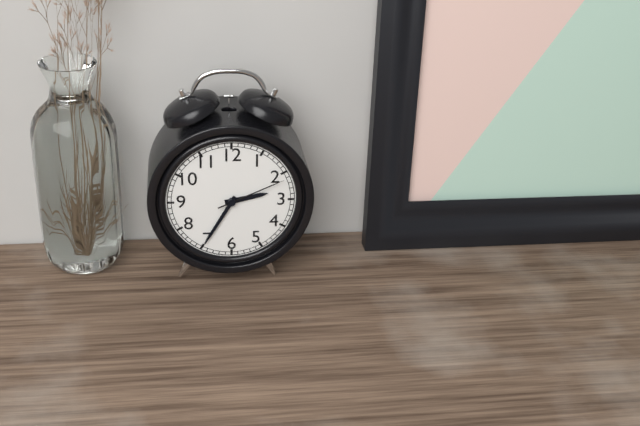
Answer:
2.35.11
